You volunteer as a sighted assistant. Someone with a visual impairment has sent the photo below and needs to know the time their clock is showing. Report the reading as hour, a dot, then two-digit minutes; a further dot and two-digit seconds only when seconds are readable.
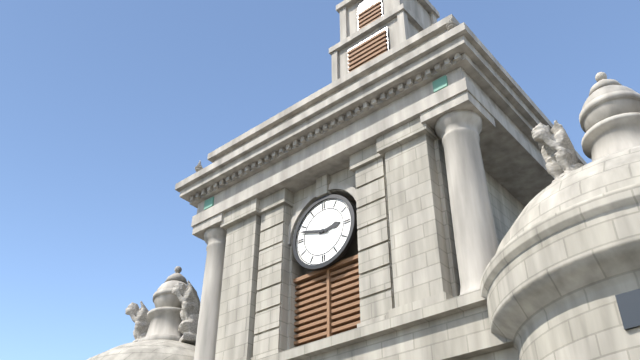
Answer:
2.48
